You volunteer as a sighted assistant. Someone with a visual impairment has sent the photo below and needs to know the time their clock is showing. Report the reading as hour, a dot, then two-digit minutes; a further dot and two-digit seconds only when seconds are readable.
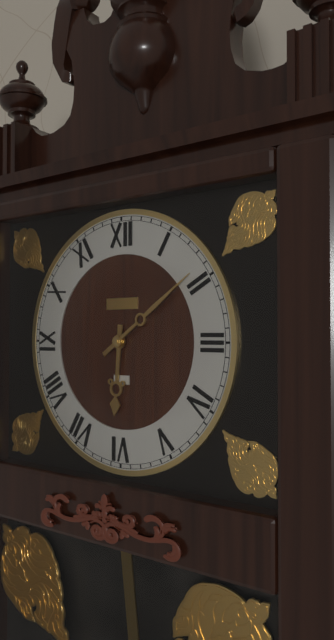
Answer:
6.09
